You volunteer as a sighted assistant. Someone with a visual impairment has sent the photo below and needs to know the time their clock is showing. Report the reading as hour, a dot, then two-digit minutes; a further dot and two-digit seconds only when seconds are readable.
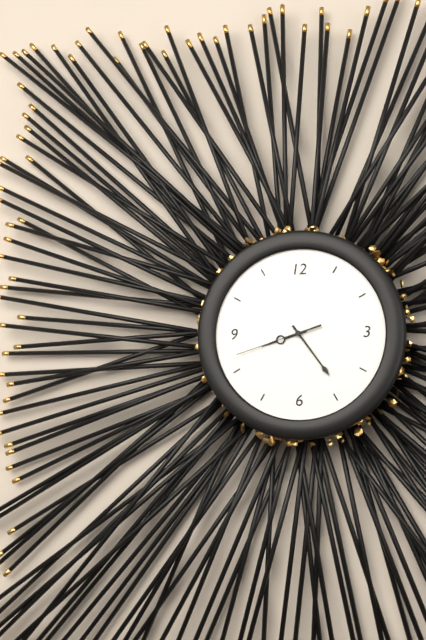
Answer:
8.24.42
